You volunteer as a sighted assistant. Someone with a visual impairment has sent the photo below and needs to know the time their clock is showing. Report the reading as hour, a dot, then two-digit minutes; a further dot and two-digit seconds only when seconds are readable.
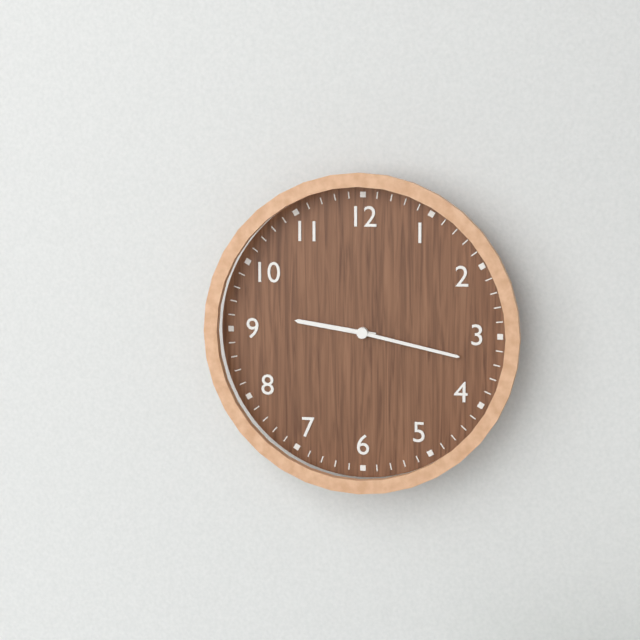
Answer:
9.17
